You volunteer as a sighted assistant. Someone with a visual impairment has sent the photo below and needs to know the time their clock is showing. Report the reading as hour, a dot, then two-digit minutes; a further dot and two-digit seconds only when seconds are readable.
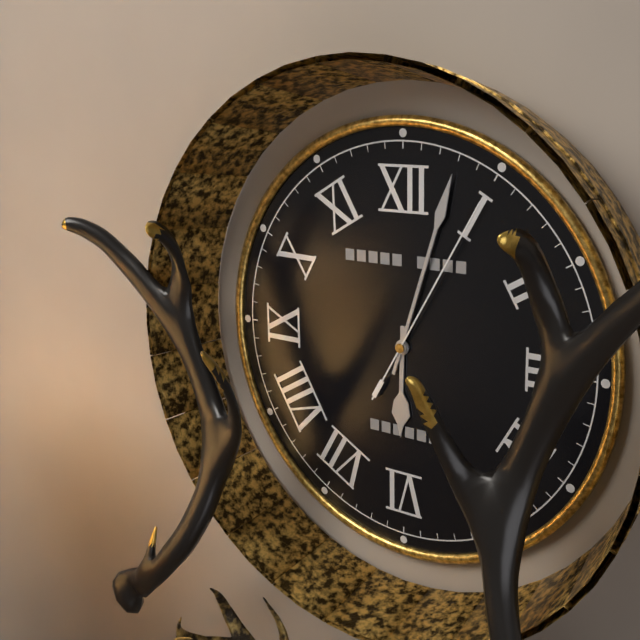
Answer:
6.03.05
